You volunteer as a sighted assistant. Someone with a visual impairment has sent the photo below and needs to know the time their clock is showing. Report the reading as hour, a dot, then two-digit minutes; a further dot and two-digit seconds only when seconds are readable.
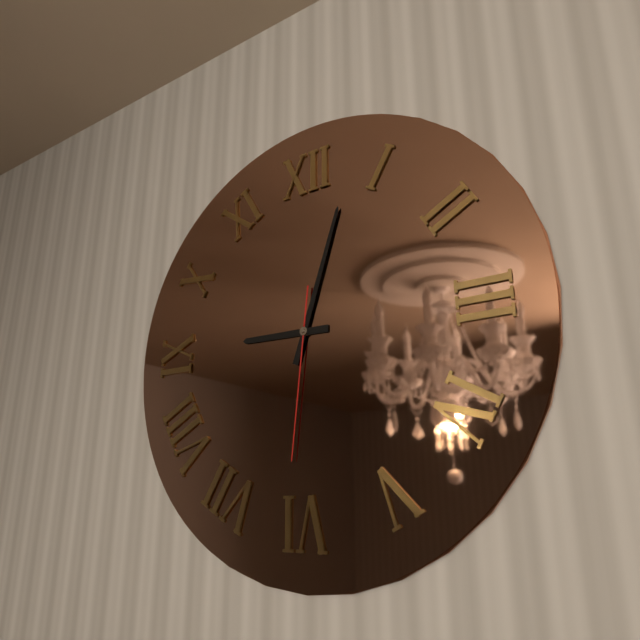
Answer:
9.03.31
